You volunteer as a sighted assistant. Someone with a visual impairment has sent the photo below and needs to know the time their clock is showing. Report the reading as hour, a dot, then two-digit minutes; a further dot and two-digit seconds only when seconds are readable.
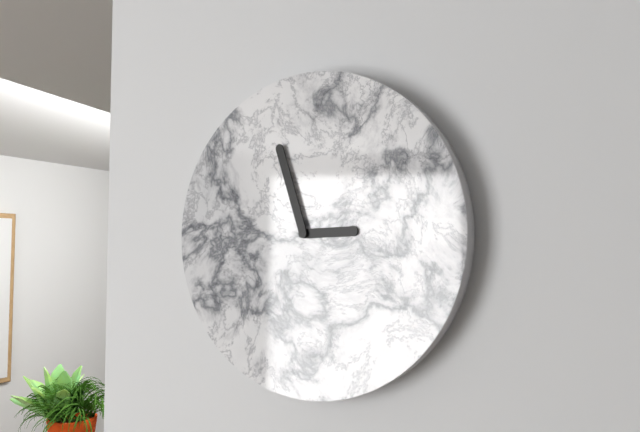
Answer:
2.57
